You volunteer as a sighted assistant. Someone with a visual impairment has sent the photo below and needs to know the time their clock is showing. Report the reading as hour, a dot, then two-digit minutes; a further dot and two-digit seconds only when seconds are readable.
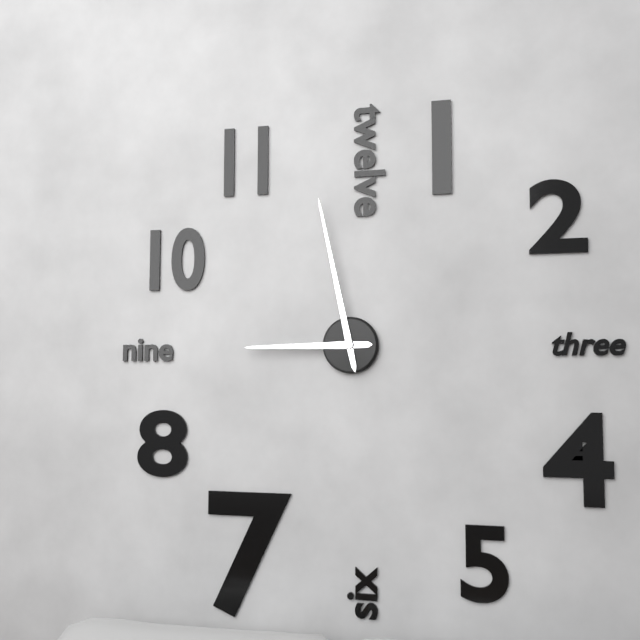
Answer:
8.58
